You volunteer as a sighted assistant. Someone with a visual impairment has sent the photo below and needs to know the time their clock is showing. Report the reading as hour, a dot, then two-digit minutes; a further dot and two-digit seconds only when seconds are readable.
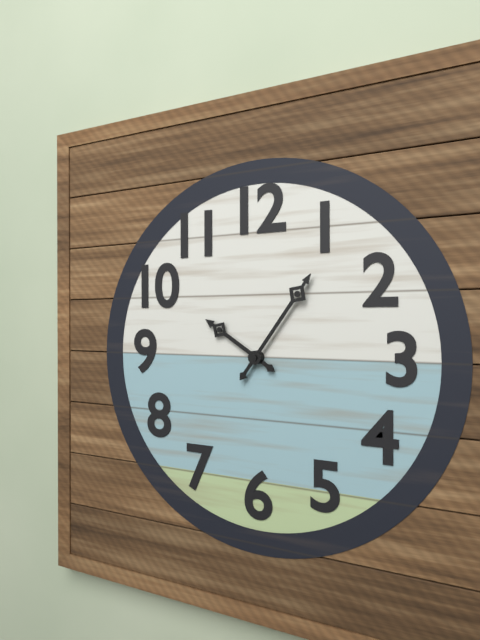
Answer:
10.06
